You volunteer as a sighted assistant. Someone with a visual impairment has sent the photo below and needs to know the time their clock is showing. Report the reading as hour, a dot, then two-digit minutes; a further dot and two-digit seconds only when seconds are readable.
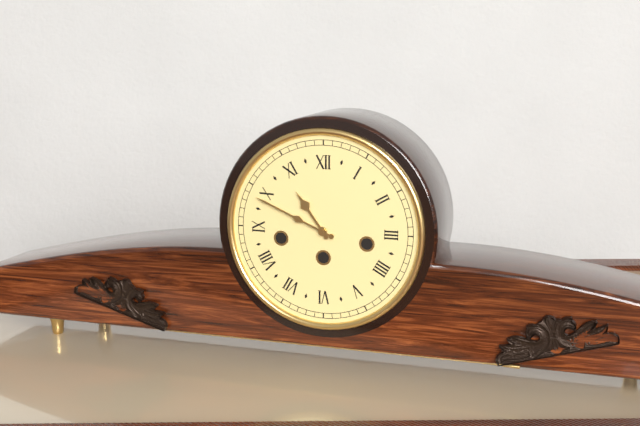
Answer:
10.49
